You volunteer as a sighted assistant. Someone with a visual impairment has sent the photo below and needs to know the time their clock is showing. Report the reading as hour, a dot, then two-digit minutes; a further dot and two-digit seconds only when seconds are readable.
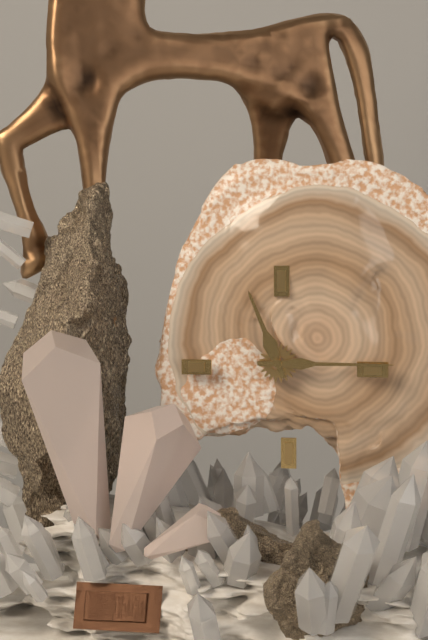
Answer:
11.15
